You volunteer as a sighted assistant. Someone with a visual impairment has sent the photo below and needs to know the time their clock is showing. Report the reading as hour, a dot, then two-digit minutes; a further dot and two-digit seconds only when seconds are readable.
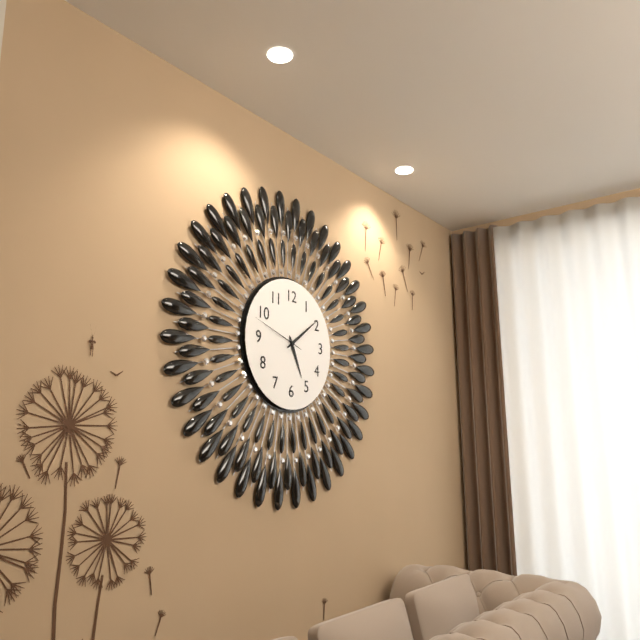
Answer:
5.09.48
